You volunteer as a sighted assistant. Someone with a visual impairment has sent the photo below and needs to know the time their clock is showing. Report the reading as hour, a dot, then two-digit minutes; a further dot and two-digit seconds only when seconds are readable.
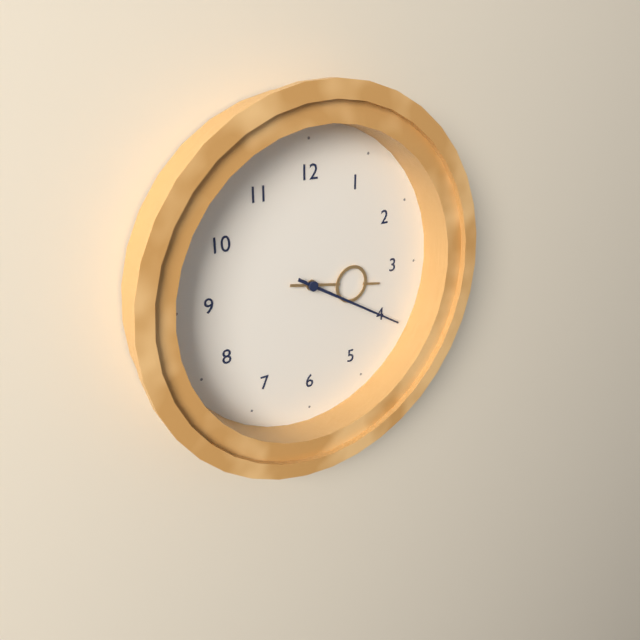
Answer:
3.20
